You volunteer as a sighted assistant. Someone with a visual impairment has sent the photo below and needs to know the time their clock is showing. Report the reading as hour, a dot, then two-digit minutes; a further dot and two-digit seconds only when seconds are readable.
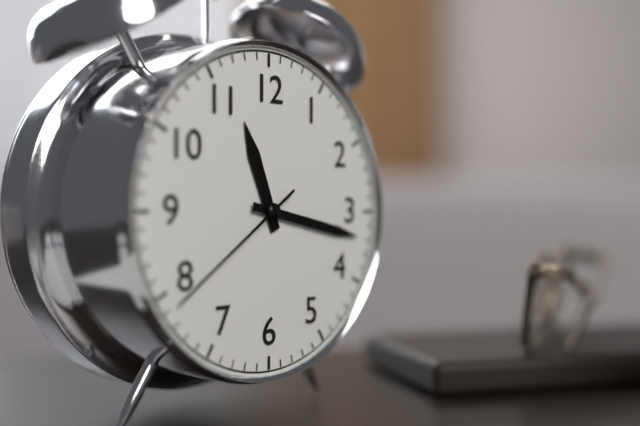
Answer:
11.17.39
